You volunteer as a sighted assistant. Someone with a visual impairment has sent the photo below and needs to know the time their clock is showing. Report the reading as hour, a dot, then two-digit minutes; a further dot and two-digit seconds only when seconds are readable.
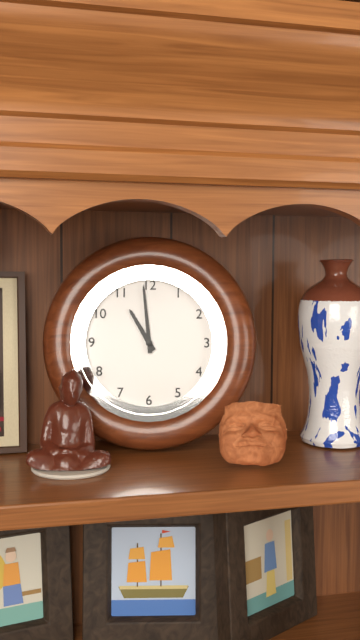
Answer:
10.59
